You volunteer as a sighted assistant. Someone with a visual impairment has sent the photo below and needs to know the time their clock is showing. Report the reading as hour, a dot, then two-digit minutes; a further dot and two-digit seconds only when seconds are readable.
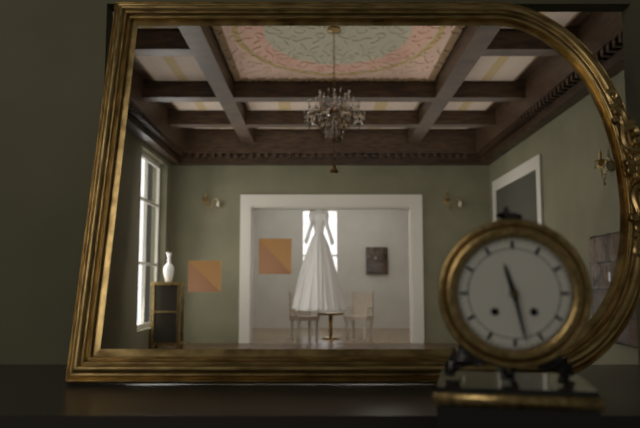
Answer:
11.28
